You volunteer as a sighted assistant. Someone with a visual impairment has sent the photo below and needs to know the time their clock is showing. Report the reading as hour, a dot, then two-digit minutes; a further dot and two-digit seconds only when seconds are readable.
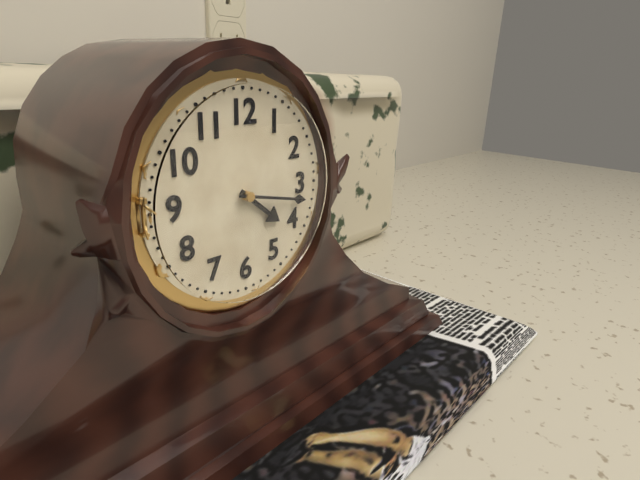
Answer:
4.17
